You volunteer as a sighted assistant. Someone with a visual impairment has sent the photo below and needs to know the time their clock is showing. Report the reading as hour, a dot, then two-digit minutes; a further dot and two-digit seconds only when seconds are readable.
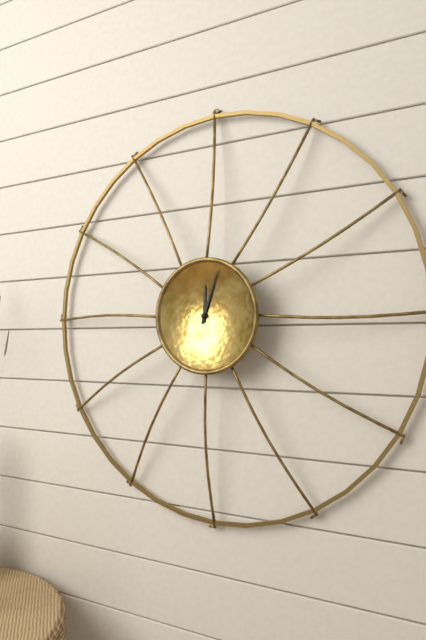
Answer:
12.03
